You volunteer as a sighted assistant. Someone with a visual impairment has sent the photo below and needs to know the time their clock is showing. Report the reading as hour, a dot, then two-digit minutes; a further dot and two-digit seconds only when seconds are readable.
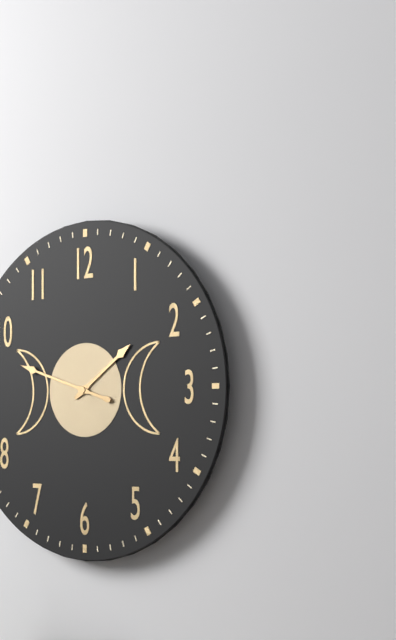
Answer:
1.48
